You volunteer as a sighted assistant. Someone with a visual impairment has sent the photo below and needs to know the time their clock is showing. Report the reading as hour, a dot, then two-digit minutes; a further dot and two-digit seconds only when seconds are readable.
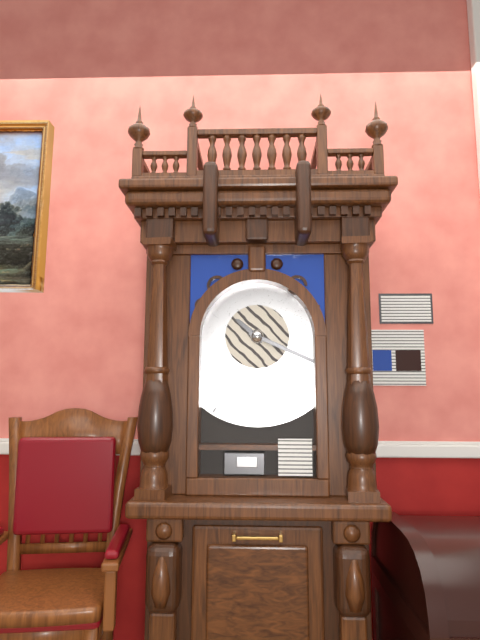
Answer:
10.19
